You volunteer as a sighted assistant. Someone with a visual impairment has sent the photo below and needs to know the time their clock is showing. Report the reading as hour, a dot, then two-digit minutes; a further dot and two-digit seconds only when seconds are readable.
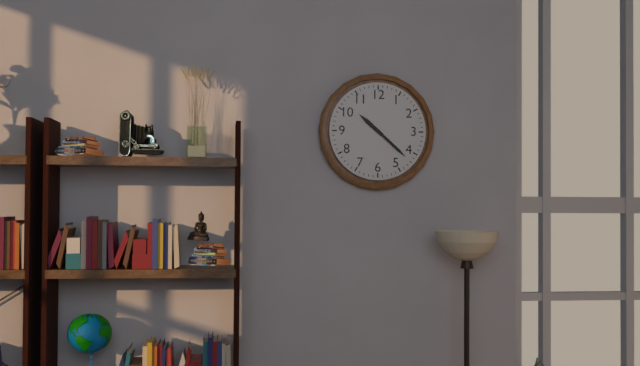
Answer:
10.22
